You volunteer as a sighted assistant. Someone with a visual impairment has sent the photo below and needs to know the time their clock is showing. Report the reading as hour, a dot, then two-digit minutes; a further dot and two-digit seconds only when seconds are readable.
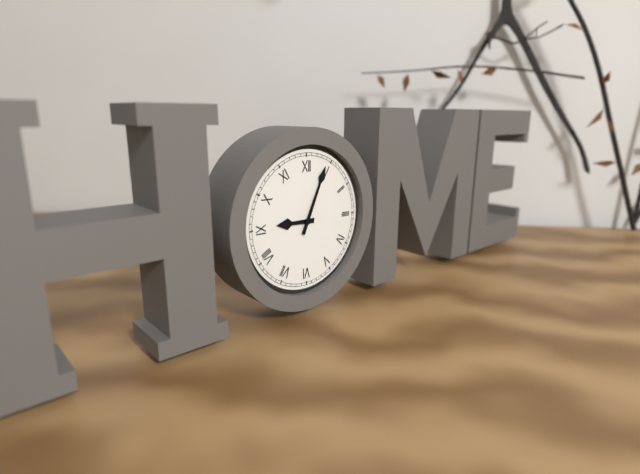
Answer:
9.04
